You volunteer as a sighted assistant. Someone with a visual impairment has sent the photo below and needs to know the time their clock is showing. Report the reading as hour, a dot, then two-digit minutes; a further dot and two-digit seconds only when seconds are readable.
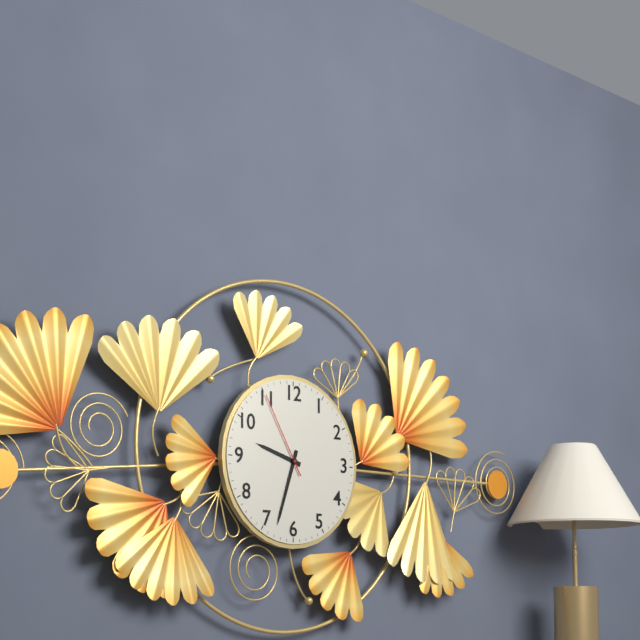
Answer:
9.33.55
